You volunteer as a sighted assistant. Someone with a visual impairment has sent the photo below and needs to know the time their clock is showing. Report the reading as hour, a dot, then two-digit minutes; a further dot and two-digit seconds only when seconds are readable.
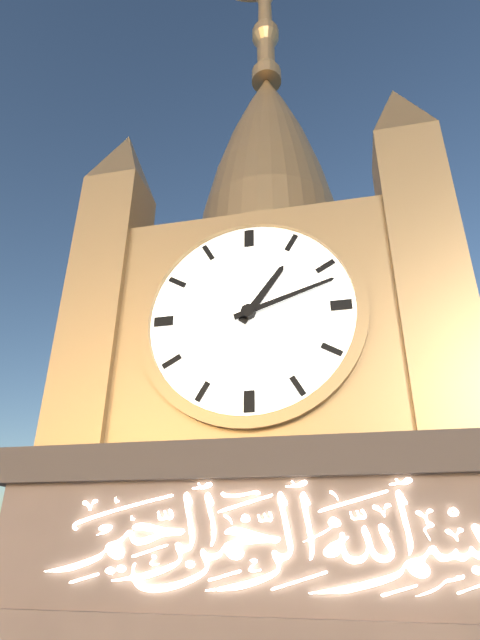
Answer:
1.12
